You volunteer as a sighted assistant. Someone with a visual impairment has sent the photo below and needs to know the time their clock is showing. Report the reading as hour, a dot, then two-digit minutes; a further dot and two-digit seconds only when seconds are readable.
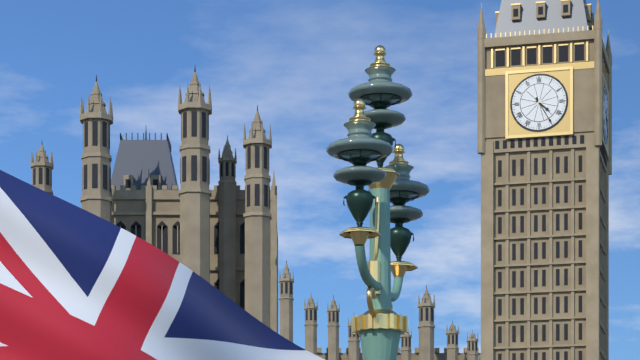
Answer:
4.25
